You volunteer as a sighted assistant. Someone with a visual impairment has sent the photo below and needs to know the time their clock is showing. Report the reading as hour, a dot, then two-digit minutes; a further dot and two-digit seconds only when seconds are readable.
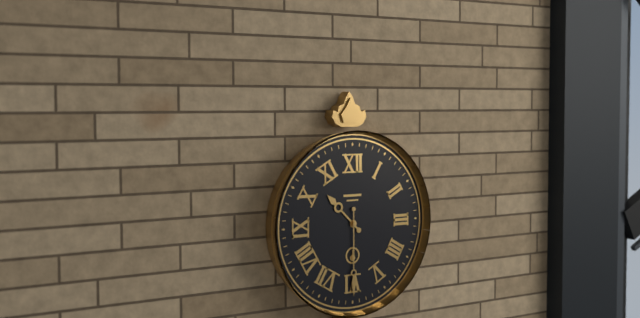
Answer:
10.30
